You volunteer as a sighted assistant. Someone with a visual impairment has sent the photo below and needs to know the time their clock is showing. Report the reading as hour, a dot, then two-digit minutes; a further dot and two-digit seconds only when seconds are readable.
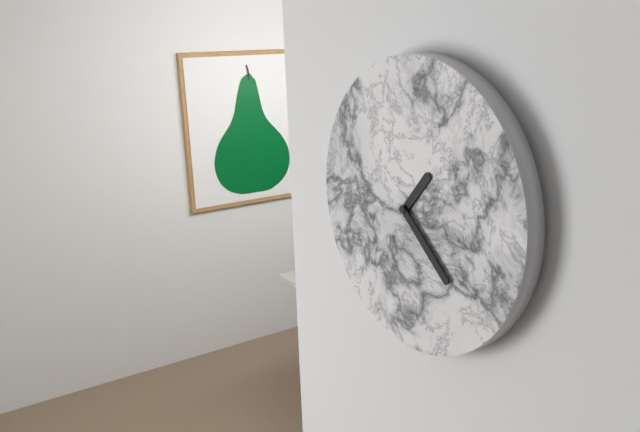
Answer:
1.22
